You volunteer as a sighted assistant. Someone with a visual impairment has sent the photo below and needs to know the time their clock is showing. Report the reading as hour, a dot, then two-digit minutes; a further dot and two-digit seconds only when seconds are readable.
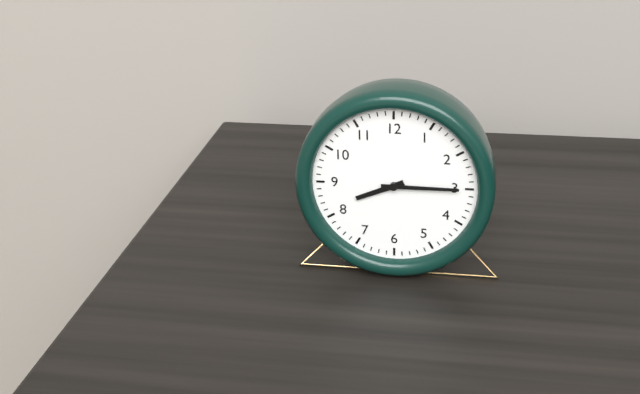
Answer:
8.15
